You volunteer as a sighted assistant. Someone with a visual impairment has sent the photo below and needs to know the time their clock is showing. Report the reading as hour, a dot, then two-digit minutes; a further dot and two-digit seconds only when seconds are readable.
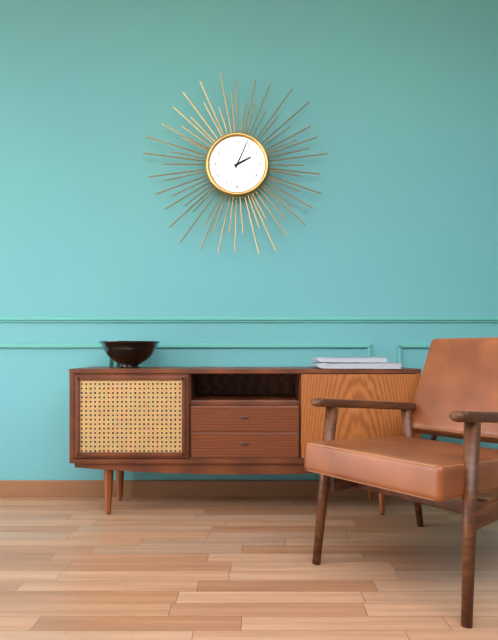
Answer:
2.04
